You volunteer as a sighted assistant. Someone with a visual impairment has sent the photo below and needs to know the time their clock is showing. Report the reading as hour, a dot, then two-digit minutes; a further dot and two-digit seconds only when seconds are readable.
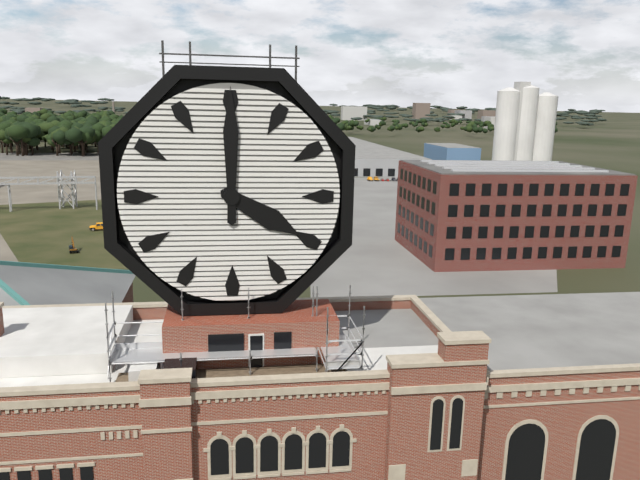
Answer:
4.00
